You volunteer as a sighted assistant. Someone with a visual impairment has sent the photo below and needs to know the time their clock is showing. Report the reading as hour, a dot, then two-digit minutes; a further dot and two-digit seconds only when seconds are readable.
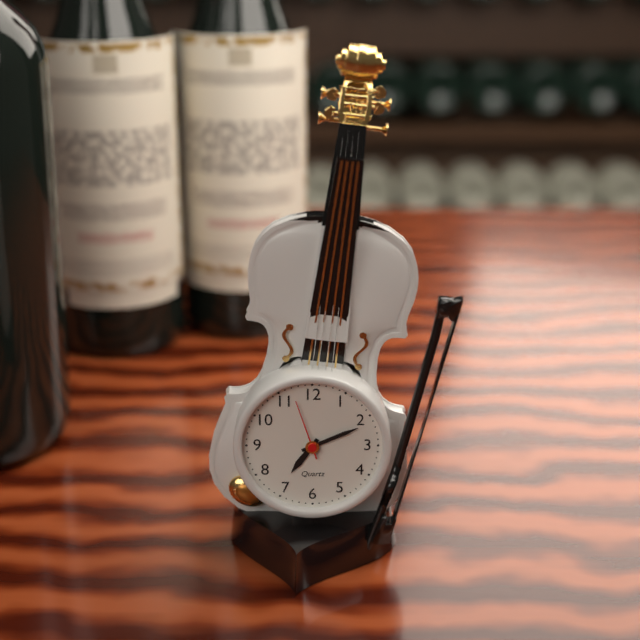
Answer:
7.11.57
